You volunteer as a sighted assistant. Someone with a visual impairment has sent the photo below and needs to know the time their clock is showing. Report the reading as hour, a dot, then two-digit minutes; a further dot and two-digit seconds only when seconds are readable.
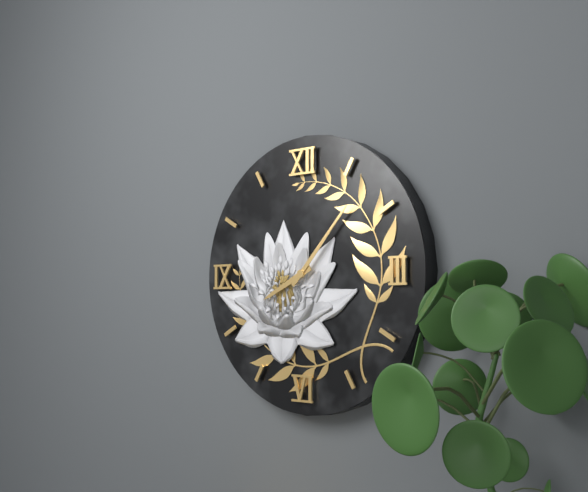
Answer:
8.07
